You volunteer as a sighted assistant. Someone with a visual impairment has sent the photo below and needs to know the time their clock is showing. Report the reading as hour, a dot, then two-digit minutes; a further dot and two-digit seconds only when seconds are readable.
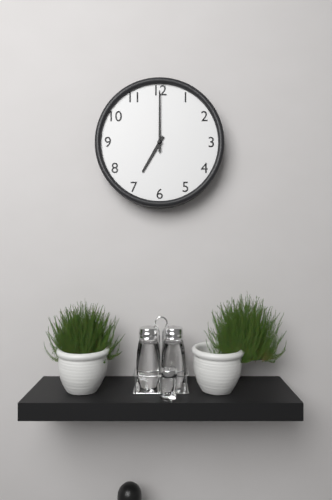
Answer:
7.00
